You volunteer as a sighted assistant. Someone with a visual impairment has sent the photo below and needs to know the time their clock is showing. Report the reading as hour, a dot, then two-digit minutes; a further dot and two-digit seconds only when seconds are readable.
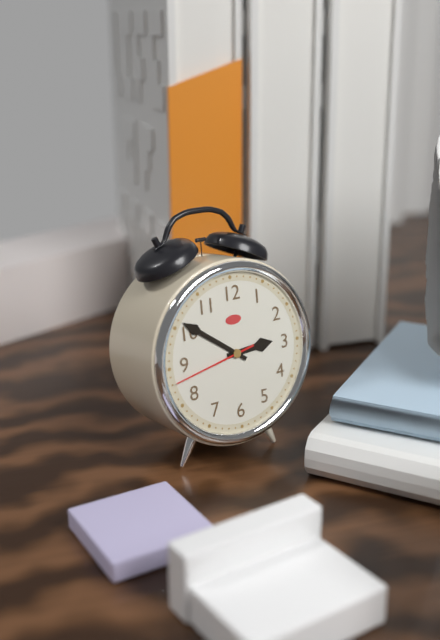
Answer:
2.51.43
